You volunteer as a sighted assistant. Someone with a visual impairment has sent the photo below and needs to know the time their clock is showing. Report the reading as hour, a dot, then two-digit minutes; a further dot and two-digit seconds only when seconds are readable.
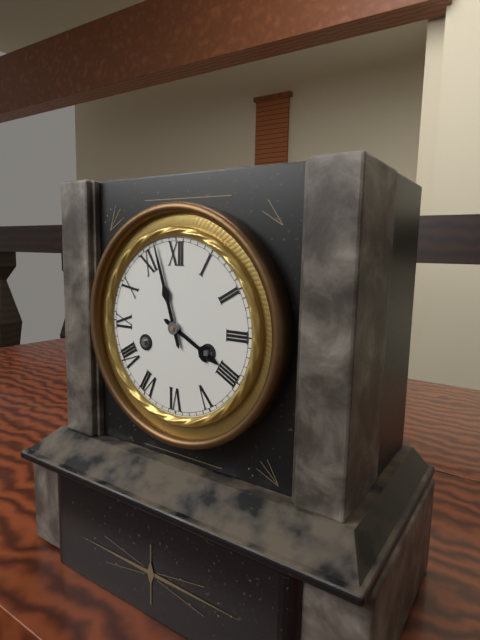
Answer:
3.57
